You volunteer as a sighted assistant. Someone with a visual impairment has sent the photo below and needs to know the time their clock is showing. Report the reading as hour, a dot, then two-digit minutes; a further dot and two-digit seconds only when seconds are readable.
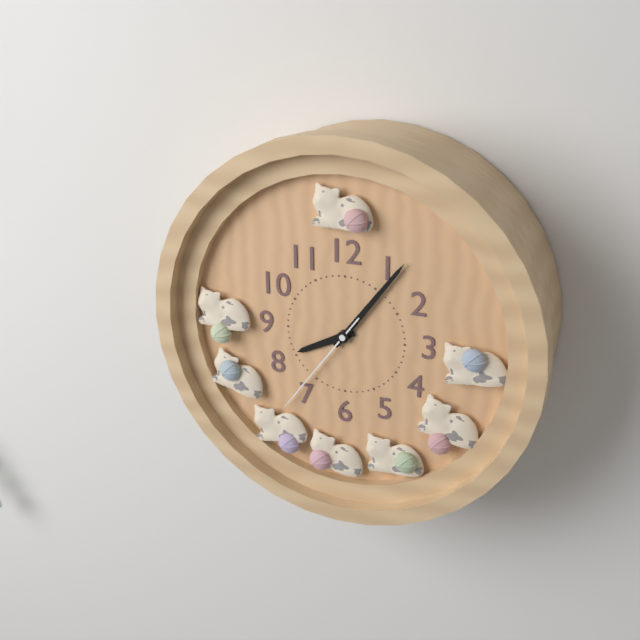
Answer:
8.06.36
